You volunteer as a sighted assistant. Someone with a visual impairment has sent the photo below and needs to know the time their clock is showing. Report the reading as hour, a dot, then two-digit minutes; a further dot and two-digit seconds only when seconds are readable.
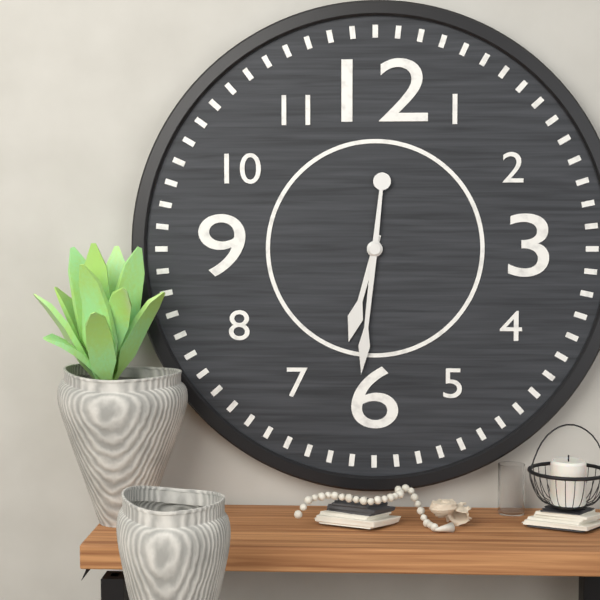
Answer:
6.31
